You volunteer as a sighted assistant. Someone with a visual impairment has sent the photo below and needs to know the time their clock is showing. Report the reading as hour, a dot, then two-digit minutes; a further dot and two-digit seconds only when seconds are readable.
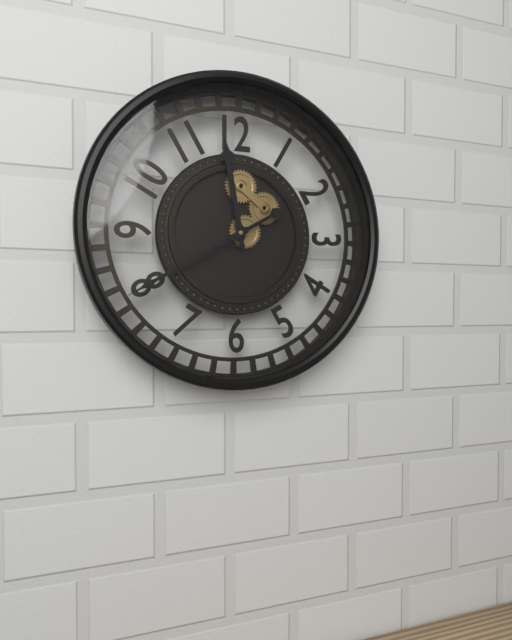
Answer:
11.40
